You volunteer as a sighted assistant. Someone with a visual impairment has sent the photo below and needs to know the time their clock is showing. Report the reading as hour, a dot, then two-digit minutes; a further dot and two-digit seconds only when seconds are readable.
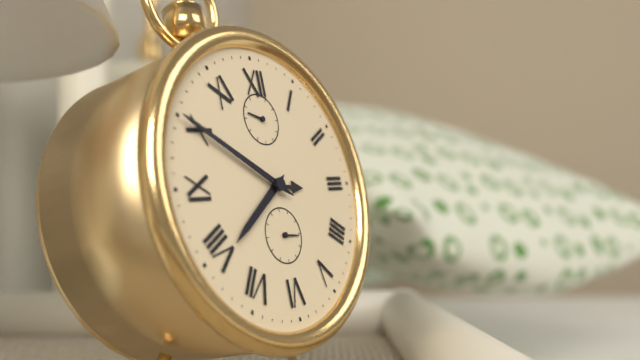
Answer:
7.50
